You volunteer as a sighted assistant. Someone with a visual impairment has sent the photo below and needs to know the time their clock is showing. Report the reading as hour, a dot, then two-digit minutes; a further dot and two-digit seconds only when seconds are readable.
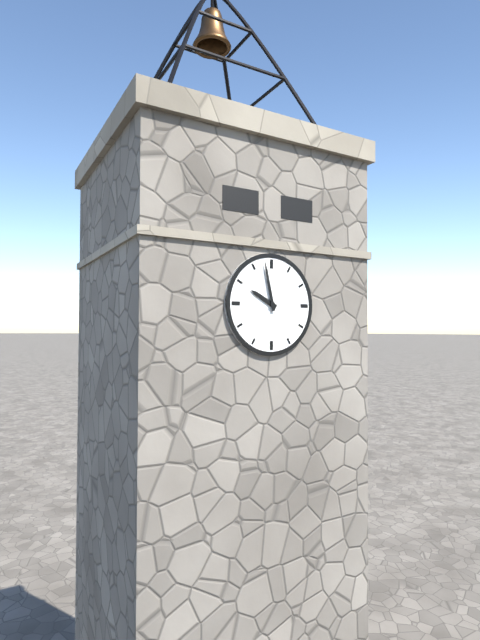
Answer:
9.58
